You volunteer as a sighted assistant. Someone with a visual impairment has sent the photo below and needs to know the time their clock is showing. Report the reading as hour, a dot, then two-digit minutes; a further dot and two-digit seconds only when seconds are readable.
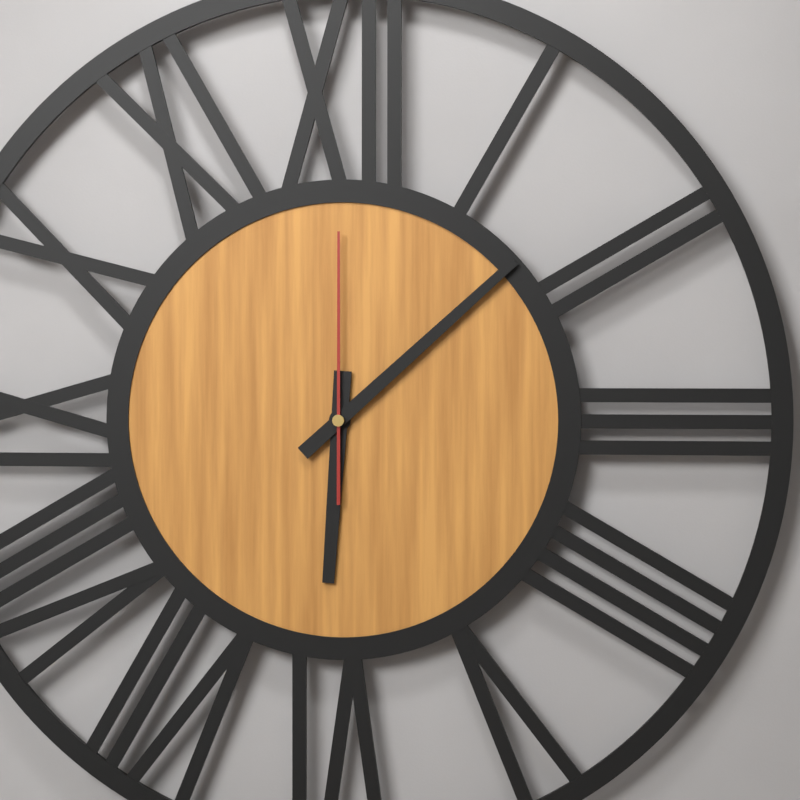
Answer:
6.08.00
